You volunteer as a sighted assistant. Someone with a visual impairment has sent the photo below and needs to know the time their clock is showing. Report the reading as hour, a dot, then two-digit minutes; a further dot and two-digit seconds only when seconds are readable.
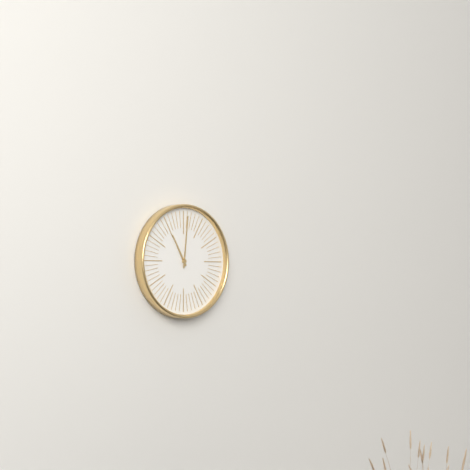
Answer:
11.01
